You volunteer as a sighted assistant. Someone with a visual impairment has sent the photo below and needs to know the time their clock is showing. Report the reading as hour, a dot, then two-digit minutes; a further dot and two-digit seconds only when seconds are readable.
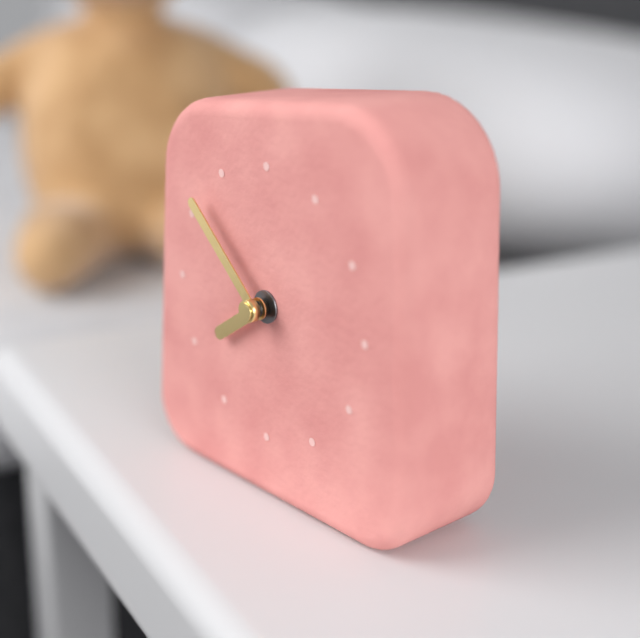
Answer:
7.52
